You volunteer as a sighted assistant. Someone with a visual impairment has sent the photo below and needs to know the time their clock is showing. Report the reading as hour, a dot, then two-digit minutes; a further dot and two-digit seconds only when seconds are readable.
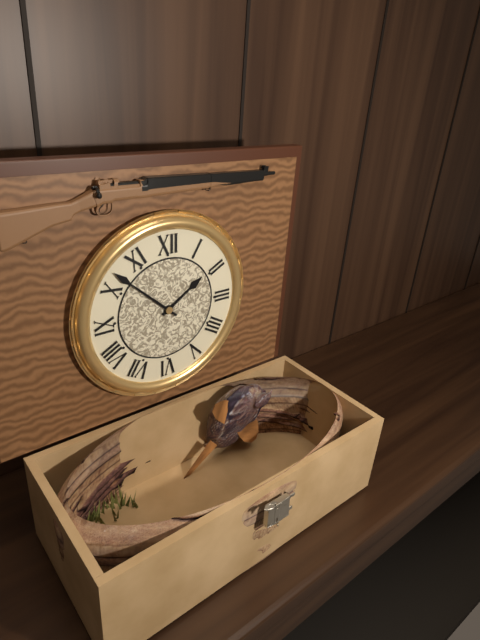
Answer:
1.52
